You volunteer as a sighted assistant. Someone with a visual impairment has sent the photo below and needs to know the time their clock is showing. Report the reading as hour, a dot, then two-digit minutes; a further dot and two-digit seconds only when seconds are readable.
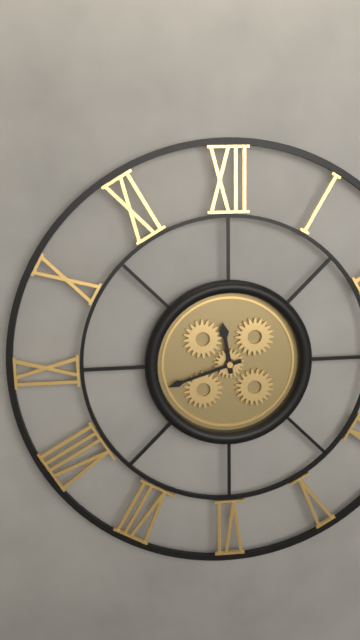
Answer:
11.42
